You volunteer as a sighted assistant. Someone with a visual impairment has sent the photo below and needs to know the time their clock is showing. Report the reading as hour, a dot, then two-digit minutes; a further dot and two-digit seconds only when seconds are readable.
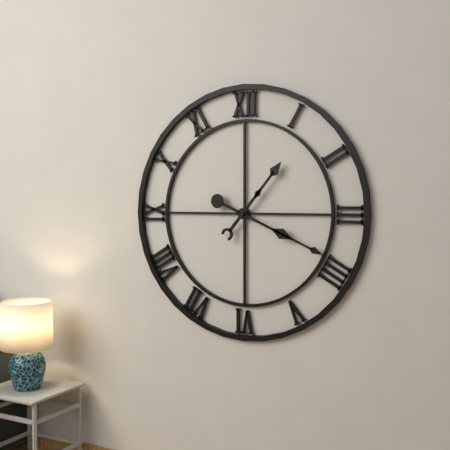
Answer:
1.19
